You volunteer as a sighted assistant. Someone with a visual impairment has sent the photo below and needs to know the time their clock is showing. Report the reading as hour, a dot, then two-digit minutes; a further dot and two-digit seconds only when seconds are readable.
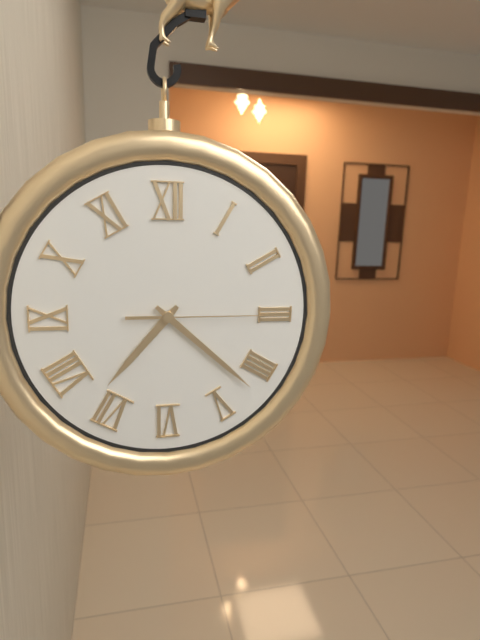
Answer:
7.22.15
